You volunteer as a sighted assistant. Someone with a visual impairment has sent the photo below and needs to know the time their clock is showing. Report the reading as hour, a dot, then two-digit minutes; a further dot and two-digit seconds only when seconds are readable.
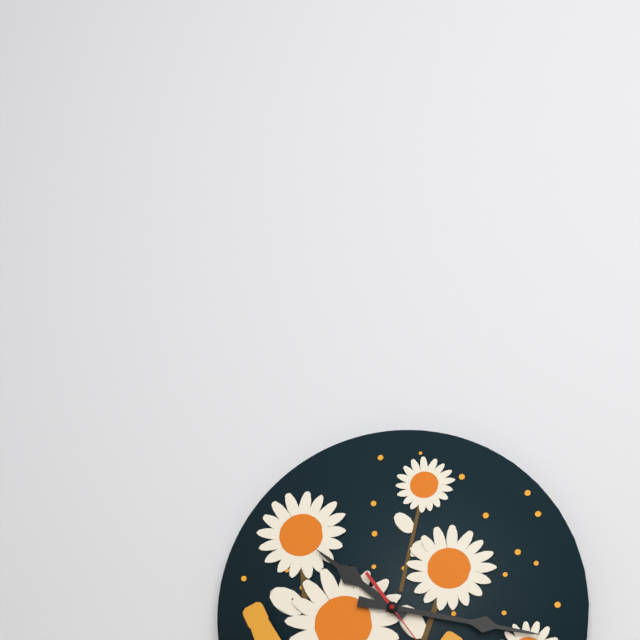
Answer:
10.17
